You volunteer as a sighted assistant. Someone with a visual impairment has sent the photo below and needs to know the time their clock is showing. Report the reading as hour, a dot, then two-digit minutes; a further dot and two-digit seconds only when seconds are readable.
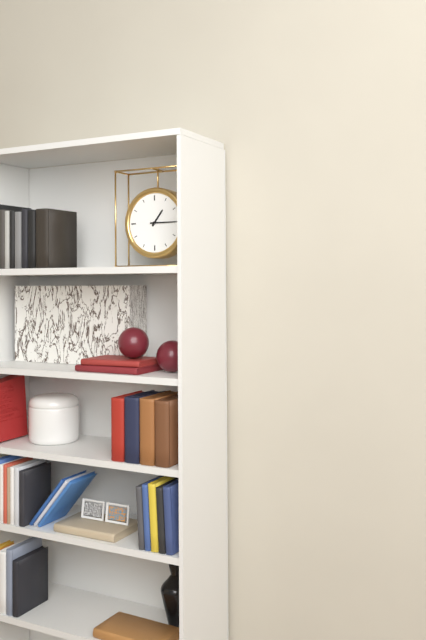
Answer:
1.15
